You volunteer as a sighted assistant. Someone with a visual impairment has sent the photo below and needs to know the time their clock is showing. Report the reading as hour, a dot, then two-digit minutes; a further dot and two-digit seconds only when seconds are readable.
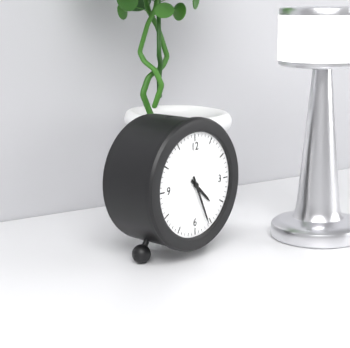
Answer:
4.26
